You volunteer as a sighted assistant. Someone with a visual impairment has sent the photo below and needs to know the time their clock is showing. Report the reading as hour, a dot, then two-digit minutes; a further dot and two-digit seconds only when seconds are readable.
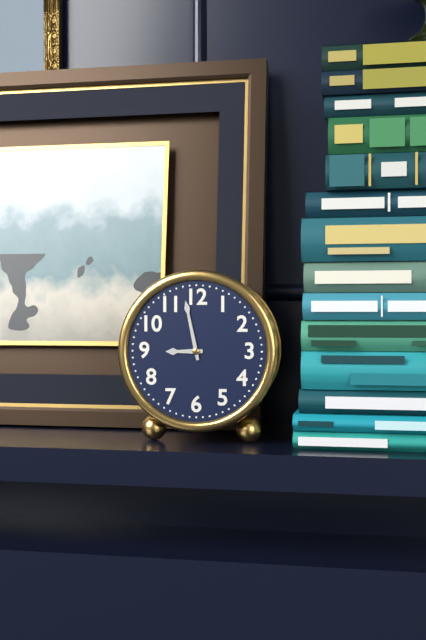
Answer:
8.58
